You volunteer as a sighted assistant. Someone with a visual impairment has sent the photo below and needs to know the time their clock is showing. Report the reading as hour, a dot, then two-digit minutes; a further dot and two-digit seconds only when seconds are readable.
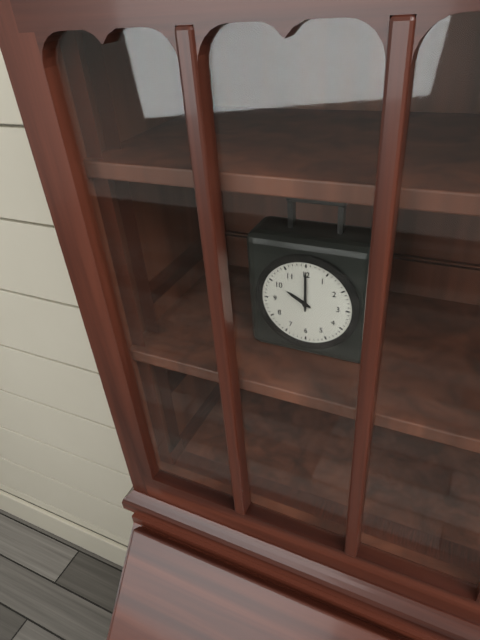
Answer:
10.00
